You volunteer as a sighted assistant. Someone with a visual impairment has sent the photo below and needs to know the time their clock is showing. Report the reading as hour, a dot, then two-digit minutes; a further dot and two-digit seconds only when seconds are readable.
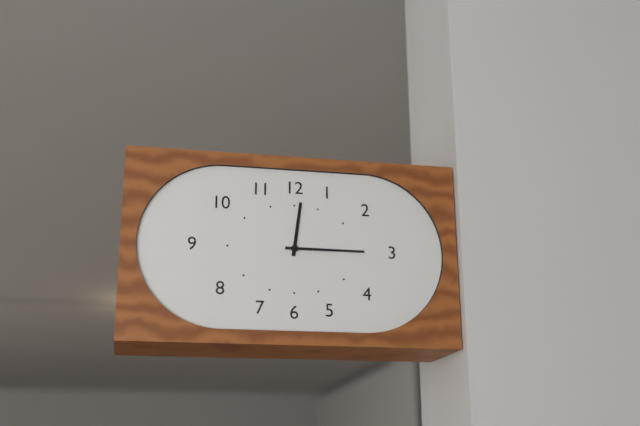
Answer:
12.15
